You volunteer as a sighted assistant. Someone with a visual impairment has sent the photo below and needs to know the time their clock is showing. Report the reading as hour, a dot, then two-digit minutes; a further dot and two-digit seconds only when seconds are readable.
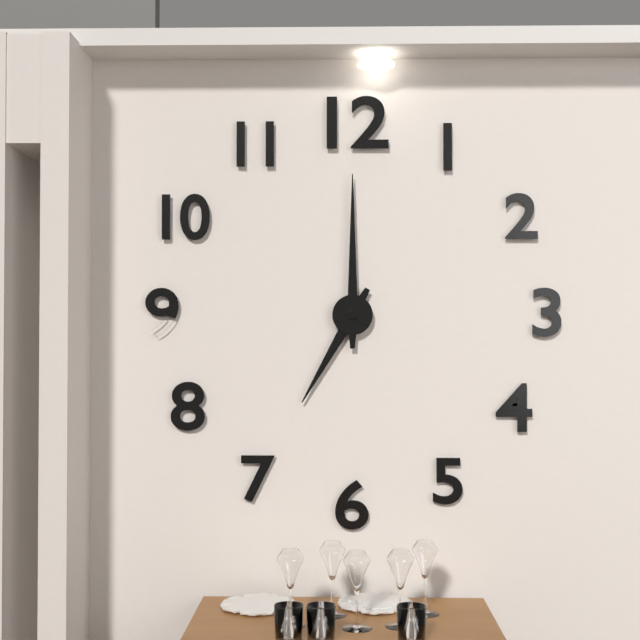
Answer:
7.00
